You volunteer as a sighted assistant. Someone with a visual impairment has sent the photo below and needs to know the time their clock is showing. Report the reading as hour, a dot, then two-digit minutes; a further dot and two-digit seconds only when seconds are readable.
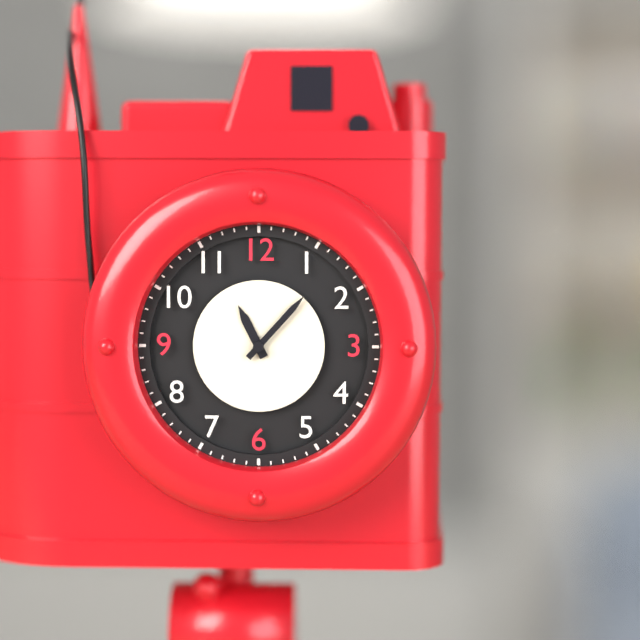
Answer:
11.07
